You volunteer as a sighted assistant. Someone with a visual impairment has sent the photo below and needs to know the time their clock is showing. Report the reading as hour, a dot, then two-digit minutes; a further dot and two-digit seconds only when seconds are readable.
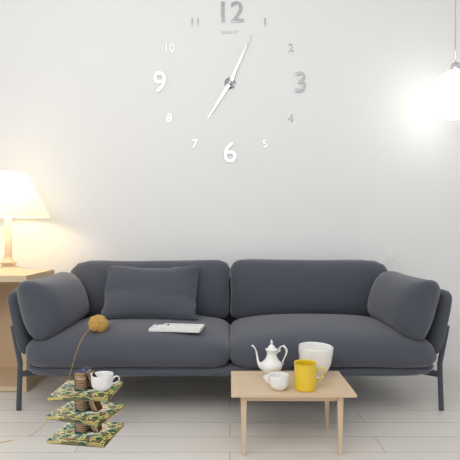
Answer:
7.04
